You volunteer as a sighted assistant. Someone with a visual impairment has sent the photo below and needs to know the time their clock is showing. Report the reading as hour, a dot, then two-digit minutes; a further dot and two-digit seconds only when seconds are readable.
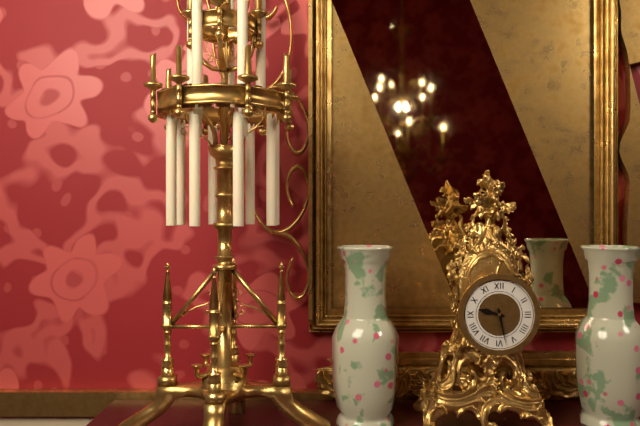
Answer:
9.28
